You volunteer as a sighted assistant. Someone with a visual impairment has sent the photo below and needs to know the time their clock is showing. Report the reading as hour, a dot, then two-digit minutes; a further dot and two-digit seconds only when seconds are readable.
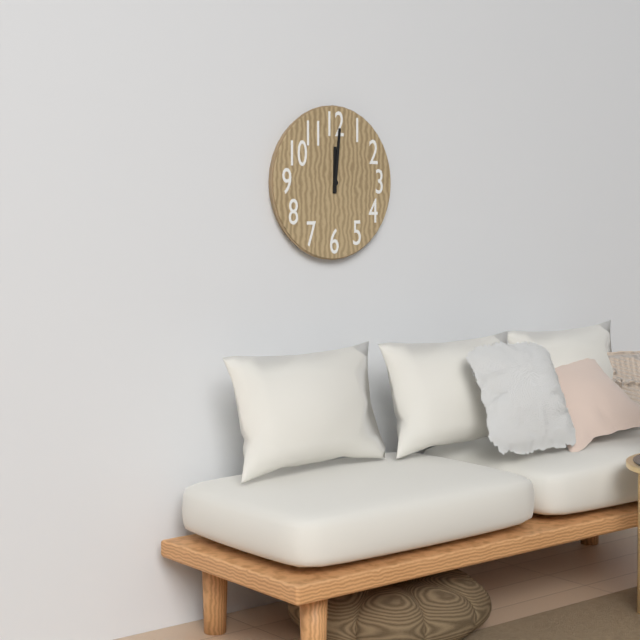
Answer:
12.01
